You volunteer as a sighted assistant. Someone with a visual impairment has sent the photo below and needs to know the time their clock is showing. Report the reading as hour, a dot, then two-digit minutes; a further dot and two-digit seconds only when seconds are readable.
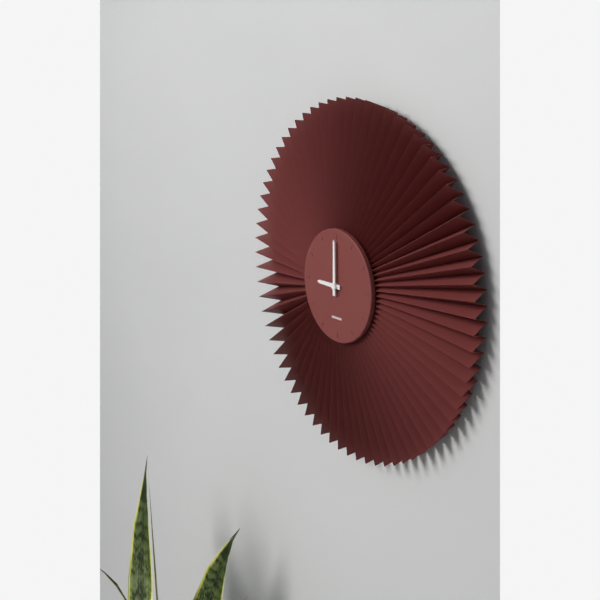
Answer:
9.00
